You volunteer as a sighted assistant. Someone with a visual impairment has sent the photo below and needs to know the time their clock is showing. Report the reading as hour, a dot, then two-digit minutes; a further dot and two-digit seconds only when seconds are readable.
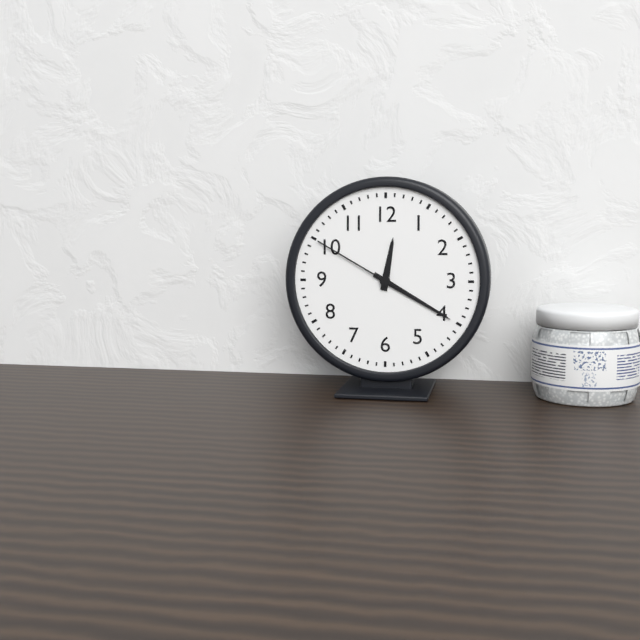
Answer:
12.20.50
